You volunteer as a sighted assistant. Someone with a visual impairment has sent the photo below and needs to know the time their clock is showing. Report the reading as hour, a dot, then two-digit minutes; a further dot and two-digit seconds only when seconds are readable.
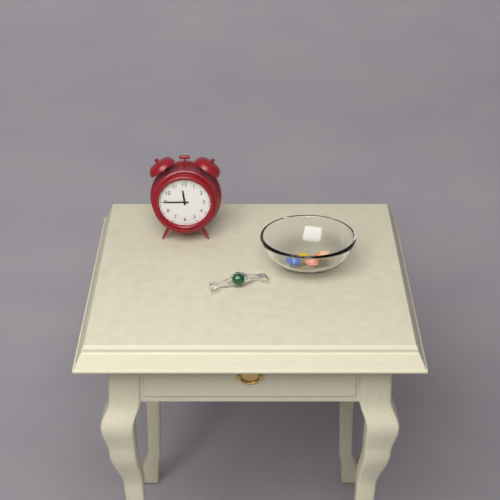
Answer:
11.45
